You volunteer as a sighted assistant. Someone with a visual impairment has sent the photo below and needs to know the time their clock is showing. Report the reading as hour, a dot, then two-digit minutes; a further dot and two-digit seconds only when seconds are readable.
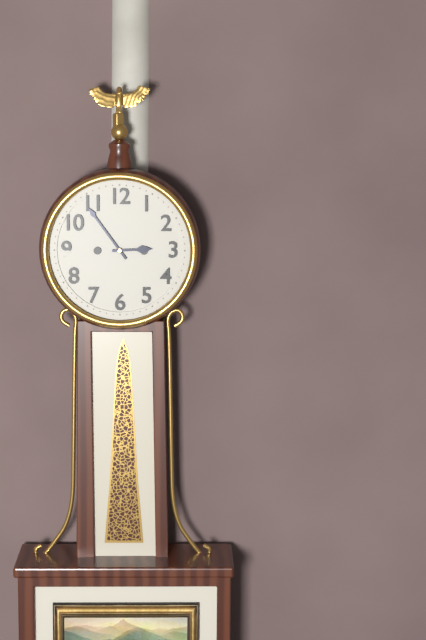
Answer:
2.54
